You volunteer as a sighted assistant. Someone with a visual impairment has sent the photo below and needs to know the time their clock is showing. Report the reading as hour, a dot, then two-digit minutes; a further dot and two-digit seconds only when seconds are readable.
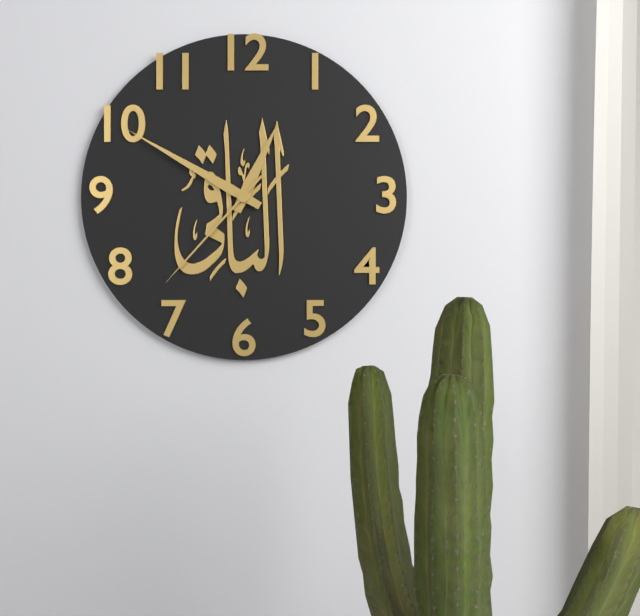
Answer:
12.50.37
